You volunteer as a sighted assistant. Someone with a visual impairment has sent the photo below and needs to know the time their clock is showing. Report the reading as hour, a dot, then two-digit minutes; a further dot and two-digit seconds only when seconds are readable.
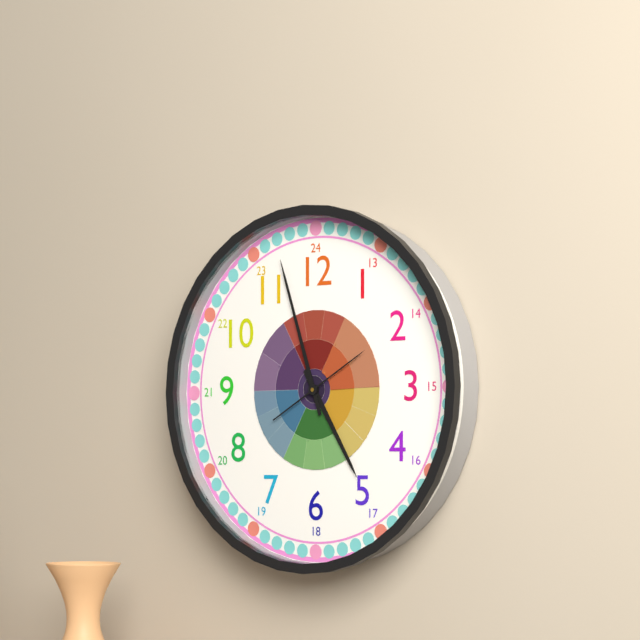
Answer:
4.57.10
